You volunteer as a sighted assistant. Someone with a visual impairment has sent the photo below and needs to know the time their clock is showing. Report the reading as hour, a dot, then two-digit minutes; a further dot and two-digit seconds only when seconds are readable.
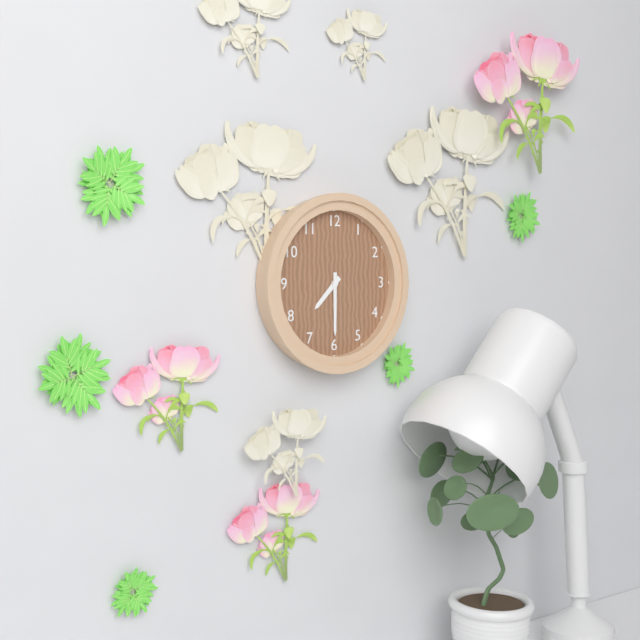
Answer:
7.30
